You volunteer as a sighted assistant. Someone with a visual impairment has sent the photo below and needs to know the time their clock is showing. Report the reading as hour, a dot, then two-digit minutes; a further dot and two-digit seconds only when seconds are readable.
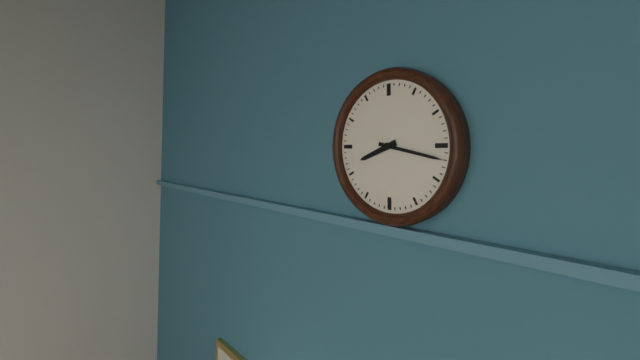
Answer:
8.17
